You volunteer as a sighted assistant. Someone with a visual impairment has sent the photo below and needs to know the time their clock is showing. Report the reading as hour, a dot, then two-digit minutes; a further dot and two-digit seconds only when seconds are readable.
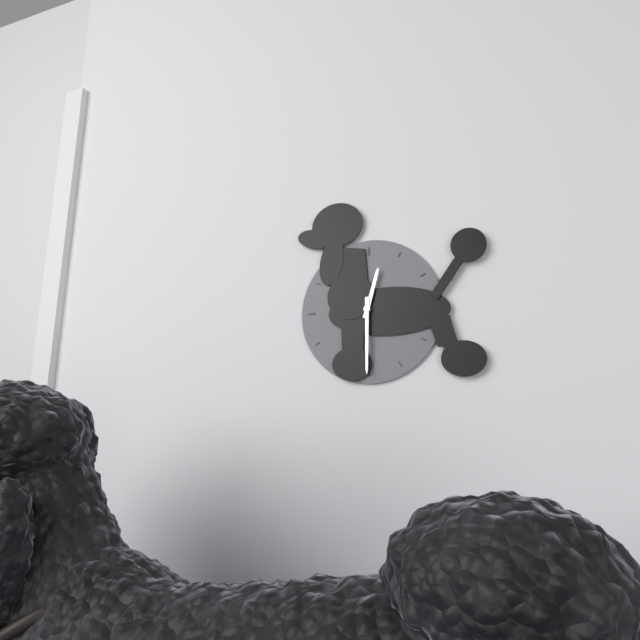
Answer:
12.30
